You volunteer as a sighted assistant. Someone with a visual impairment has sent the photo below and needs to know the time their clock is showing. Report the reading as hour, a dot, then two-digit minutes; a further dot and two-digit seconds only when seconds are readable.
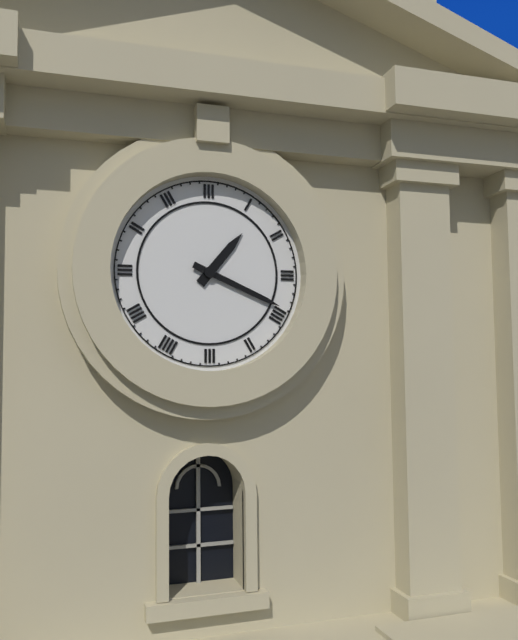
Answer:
1.19
